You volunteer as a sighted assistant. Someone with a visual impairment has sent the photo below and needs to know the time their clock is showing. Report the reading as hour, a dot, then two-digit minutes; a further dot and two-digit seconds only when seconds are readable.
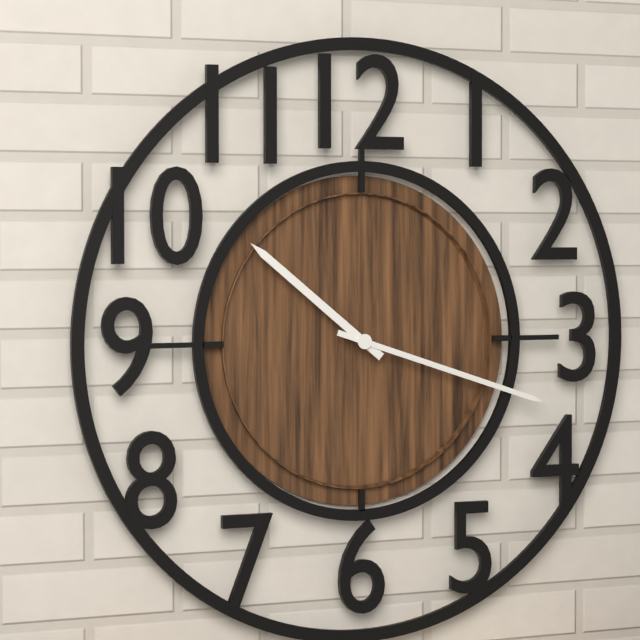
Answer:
10.18
